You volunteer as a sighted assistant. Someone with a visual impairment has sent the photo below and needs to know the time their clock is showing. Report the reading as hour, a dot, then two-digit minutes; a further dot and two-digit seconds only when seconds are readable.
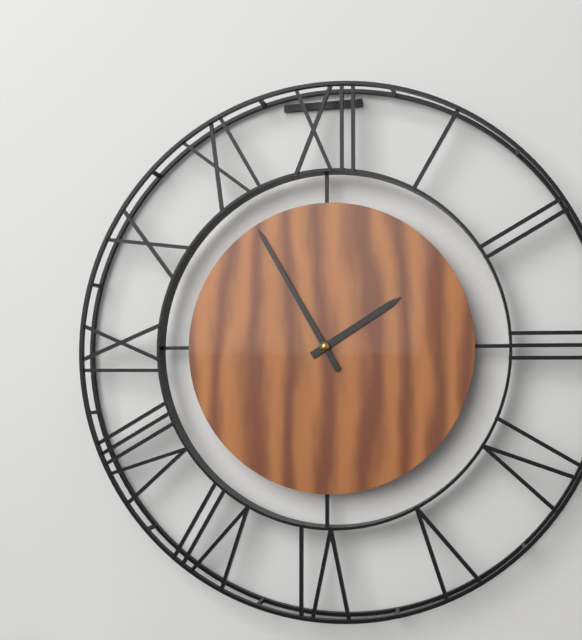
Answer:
1.55
